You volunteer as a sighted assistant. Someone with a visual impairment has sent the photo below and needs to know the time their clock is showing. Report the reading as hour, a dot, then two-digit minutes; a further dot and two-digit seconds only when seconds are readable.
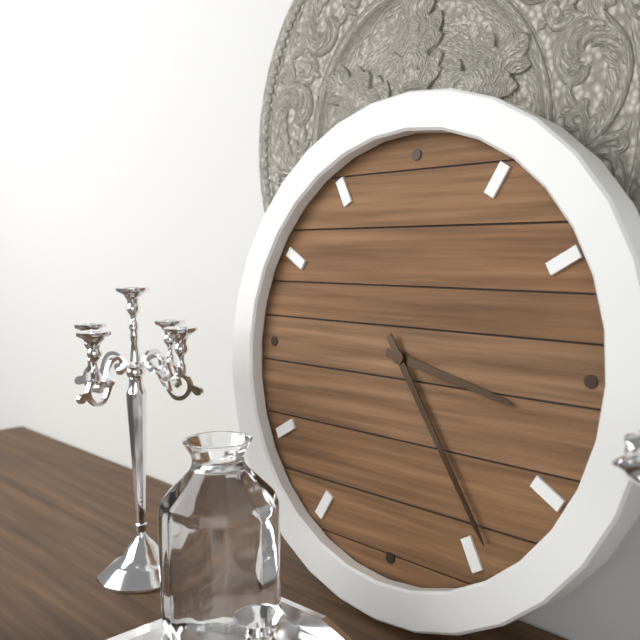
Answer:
3.24
